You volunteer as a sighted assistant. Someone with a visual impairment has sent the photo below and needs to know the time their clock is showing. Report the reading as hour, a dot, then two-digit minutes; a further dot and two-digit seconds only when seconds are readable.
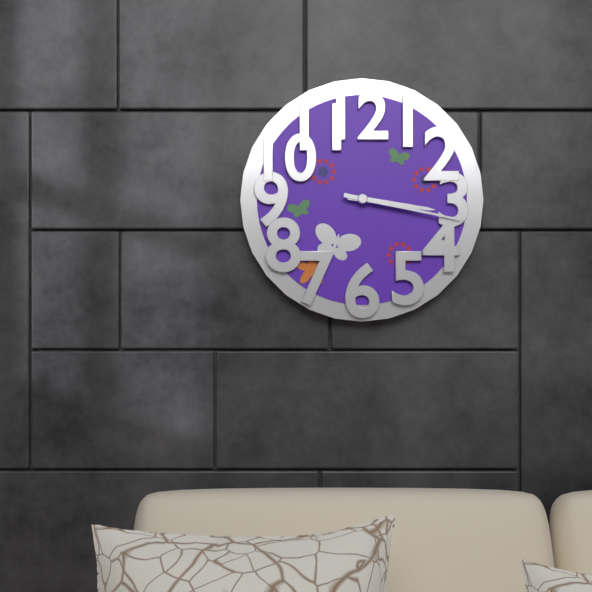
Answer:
3.17
